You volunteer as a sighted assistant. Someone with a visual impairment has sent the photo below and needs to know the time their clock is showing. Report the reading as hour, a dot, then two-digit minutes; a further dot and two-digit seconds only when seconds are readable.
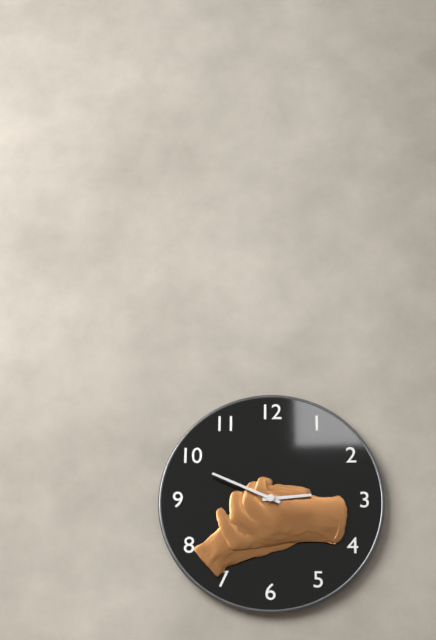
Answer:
2.49
